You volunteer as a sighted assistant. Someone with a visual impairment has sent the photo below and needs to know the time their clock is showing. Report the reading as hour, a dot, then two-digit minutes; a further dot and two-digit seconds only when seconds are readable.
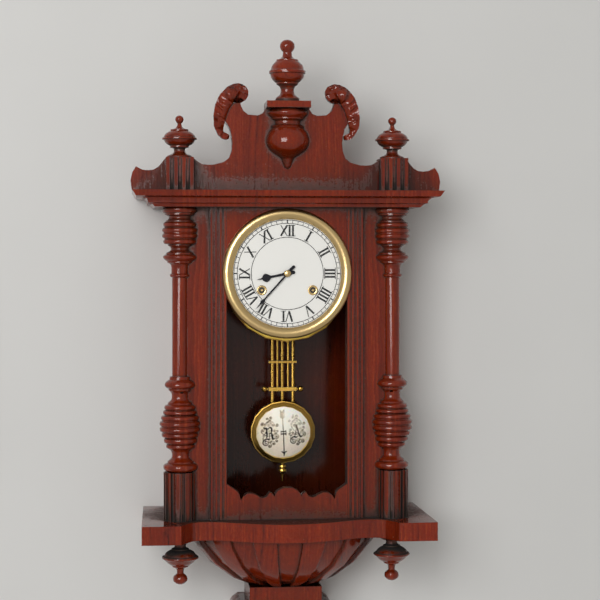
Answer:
8.37
